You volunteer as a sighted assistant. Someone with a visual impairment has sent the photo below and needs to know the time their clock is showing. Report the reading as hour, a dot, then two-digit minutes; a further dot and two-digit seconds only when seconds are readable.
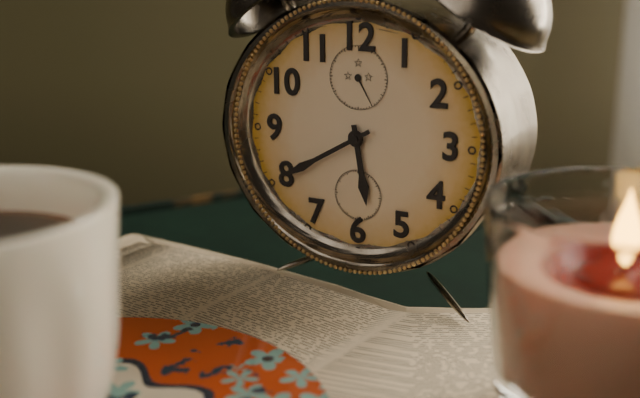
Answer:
5.40
